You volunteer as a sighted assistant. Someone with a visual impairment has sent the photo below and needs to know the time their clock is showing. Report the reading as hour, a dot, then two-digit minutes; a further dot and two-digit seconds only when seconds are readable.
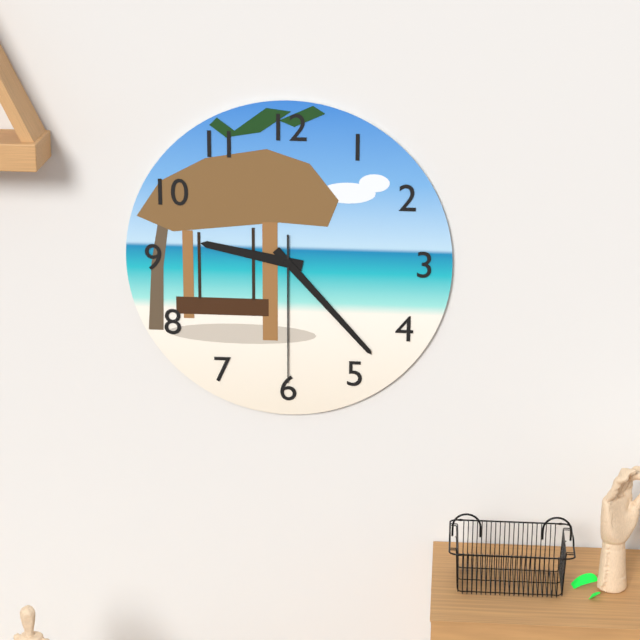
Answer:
9.23.30
